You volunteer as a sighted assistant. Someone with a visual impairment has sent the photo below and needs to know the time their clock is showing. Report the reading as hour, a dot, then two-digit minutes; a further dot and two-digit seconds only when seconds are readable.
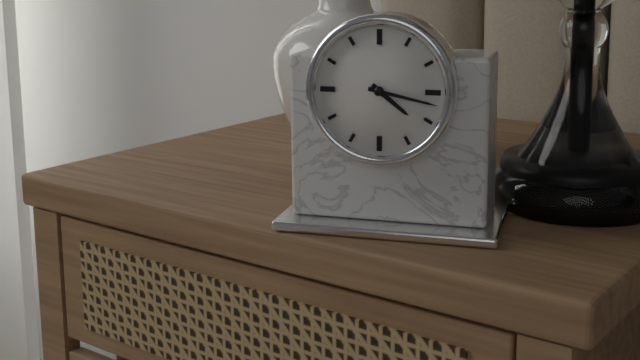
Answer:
4.17
